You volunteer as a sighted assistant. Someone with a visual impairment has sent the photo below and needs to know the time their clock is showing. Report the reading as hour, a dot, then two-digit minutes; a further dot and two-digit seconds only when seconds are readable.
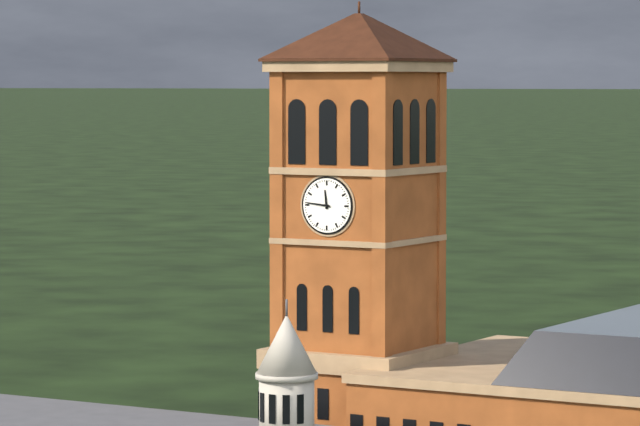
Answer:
11.46
